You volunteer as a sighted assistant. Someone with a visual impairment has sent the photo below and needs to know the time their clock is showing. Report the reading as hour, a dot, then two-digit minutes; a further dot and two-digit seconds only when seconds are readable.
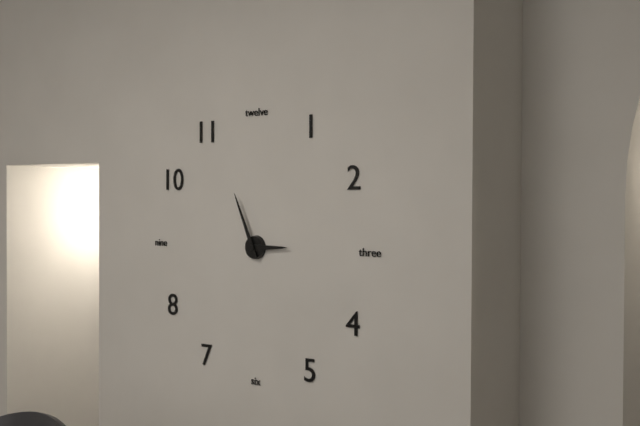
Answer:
2.56
